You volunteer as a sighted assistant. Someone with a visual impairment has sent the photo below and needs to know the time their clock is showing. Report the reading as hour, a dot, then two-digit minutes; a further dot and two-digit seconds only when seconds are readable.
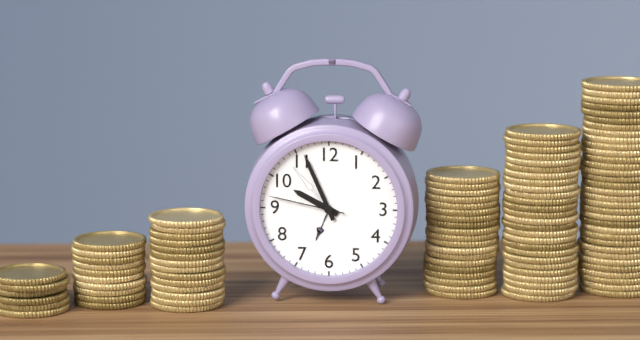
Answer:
9.56.47
